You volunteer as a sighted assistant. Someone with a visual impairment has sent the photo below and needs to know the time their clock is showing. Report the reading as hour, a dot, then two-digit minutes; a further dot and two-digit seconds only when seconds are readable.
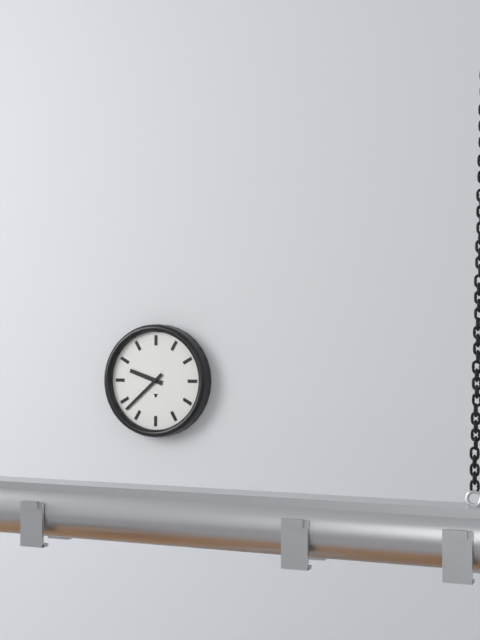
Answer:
9.38
